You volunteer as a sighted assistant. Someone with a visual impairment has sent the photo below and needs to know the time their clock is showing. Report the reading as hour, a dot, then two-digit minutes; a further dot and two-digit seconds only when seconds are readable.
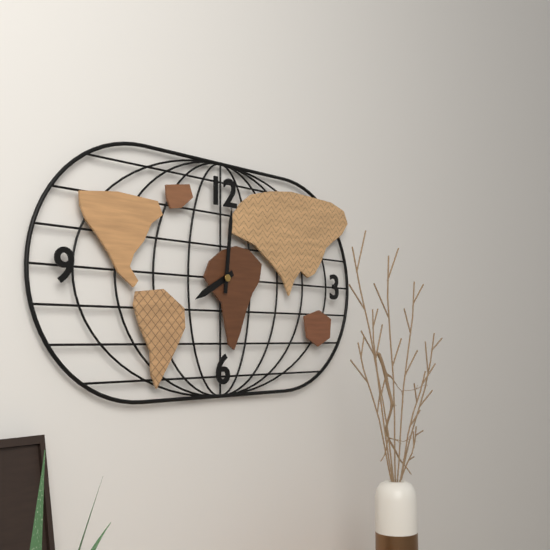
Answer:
8.01
